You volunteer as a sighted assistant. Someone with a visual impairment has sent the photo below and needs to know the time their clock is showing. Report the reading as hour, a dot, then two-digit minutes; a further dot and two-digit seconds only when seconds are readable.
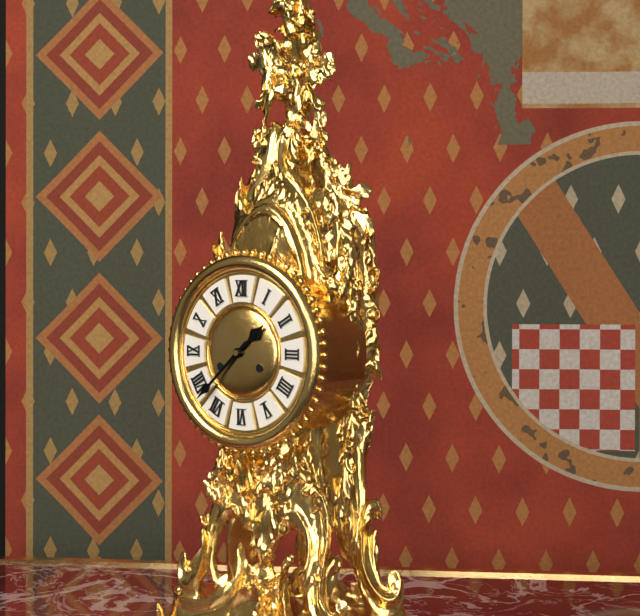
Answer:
1.38
